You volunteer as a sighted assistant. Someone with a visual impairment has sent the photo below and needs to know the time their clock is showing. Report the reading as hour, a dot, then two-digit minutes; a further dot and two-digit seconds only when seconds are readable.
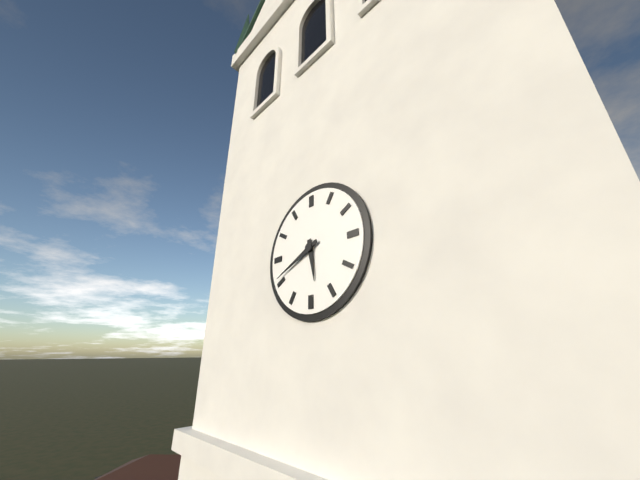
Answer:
5.41
